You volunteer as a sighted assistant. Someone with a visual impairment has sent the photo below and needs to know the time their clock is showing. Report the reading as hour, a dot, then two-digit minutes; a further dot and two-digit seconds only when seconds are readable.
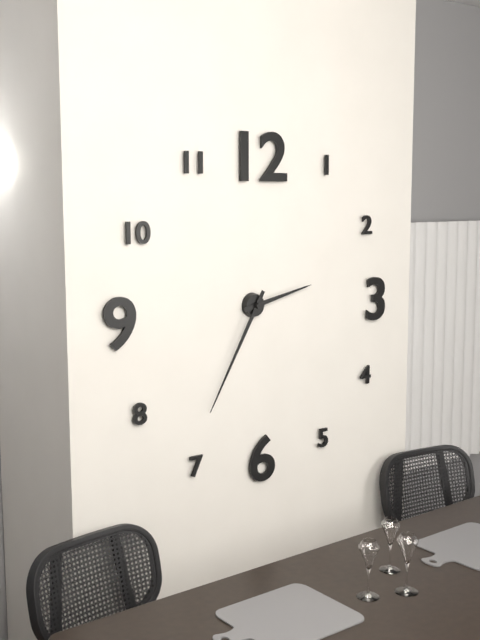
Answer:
2.35
